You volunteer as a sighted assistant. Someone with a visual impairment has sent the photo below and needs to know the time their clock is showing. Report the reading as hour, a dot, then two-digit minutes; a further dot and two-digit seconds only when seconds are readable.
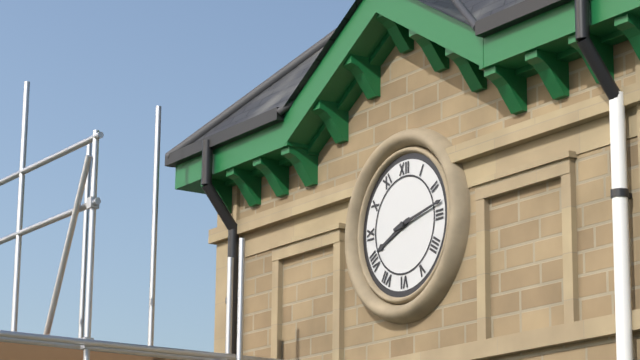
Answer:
8.13
